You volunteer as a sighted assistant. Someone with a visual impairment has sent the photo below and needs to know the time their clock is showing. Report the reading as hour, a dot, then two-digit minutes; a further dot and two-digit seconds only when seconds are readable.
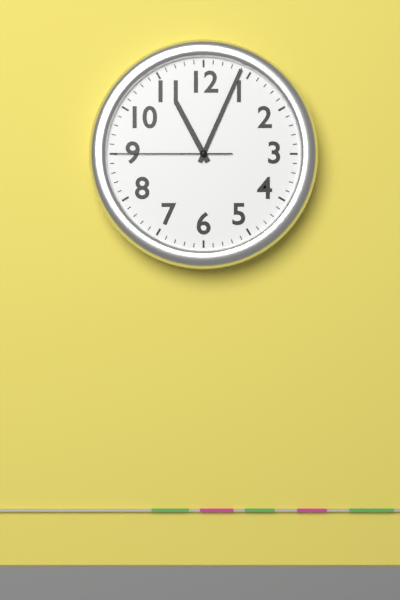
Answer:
11.04.45
